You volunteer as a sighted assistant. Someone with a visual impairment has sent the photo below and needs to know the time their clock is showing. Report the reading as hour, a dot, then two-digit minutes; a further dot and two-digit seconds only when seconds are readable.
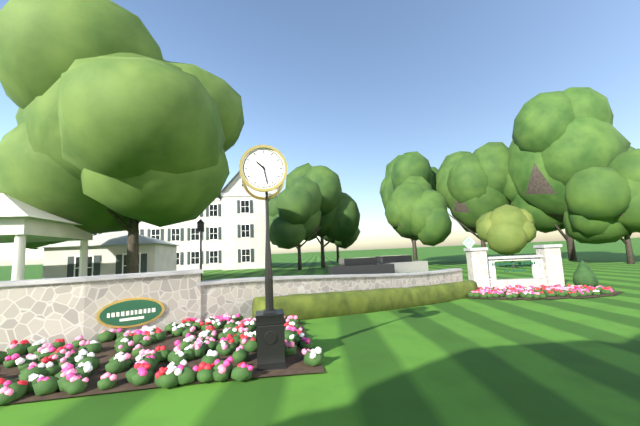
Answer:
10.28
